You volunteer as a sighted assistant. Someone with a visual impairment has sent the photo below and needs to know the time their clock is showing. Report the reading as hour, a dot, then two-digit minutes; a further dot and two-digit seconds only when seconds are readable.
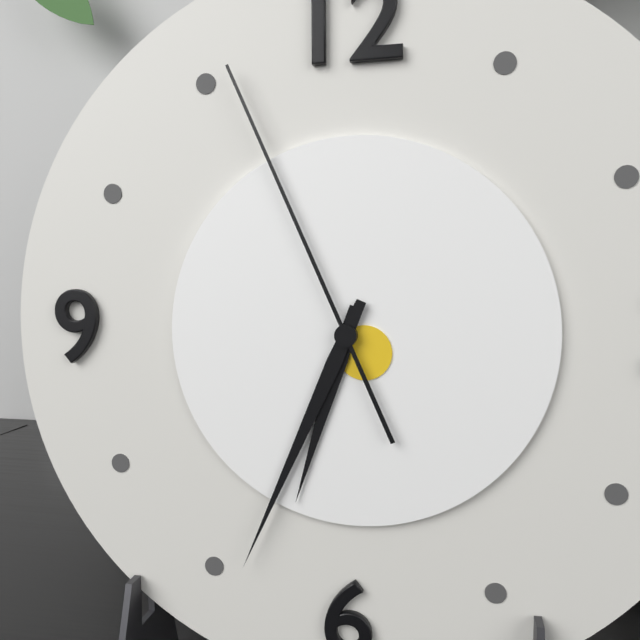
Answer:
6.34.56
